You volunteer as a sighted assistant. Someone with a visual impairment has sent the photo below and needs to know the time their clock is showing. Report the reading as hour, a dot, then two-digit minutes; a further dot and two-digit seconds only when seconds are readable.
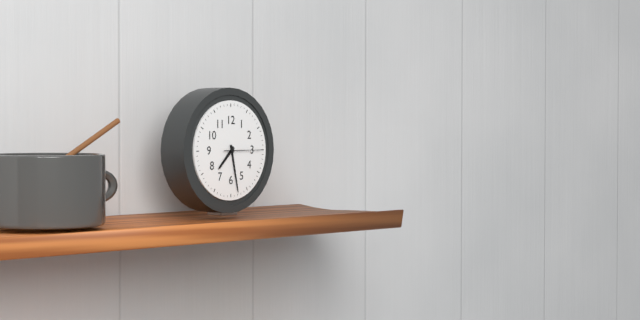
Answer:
7.28
